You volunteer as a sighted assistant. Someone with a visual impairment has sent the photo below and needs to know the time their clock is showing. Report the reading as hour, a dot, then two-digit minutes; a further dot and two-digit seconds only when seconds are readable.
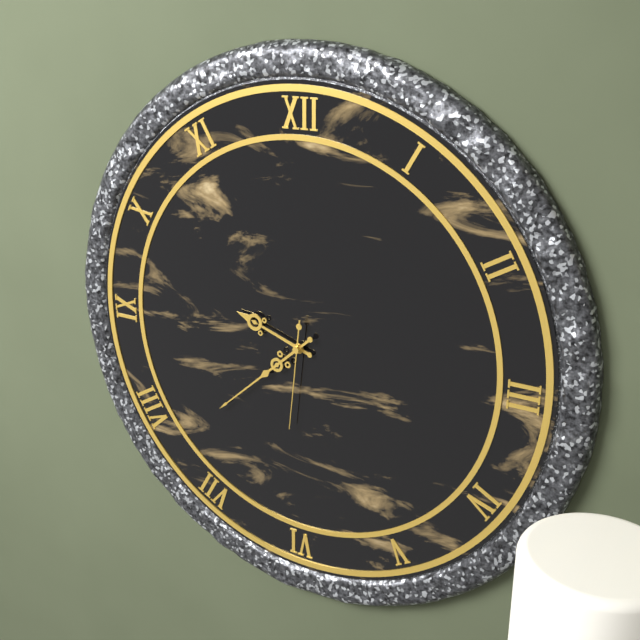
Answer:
9.38.31
